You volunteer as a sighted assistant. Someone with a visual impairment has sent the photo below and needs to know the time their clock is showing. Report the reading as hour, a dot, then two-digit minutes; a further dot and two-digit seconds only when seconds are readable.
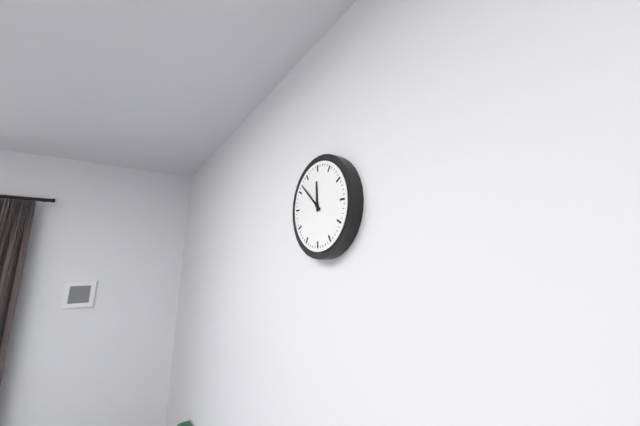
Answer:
11.52
